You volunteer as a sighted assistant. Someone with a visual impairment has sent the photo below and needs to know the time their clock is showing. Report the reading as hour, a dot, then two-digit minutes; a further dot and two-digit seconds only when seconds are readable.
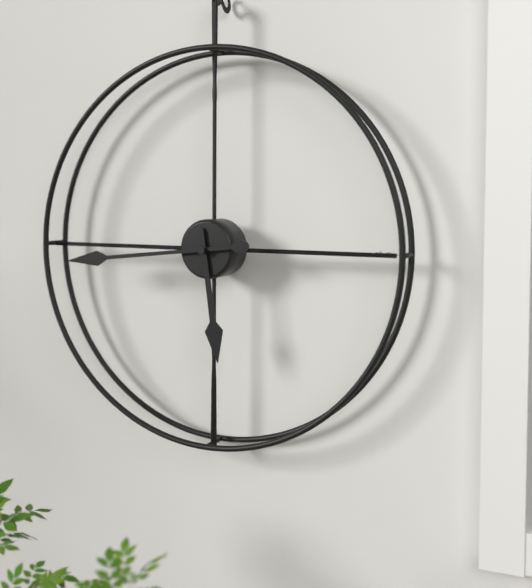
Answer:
5.44
